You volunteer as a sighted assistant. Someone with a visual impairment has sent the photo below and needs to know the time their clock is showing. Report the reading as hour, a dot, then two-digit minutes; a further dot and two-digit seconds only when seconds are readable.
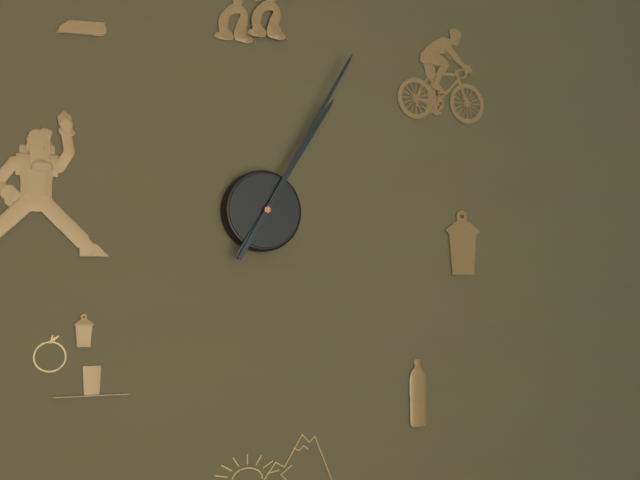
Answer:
1.05
